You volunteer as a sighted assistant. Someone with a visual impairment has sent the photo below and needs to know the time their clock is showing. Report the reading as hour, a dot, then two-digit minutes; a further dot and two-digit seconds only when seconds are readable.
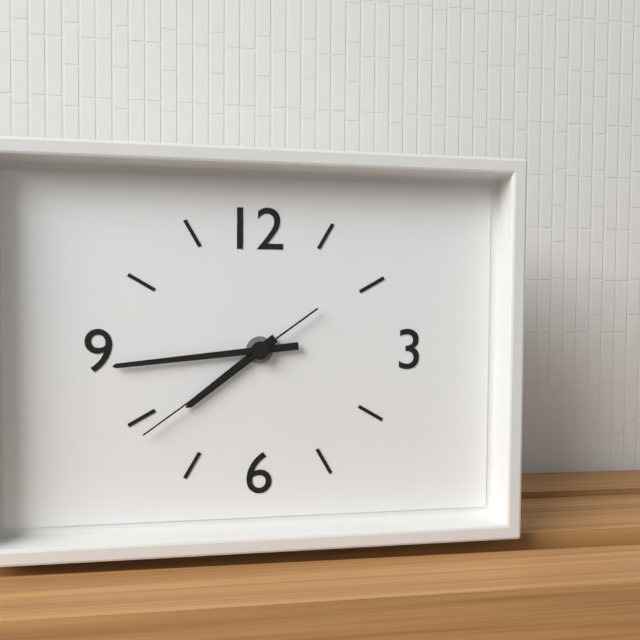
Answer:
7.44.39
